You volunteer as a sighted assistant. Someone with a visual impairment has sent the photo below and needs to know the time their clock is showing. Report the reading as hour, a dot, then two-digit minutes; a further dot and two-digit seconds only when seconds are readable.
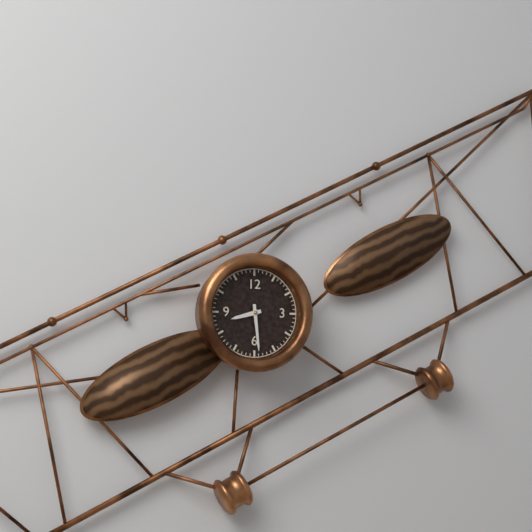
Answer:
8.29
